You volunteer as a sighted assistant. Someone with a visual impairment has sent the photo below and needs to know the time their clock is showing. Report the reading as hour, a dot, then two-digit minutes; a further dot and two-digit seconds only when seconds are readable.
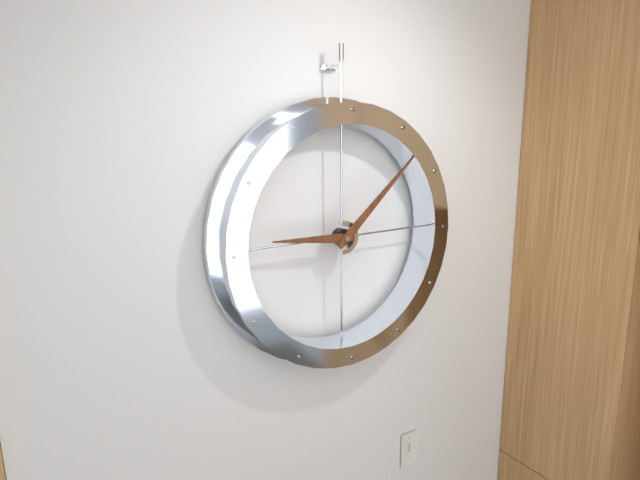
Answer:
9.08
